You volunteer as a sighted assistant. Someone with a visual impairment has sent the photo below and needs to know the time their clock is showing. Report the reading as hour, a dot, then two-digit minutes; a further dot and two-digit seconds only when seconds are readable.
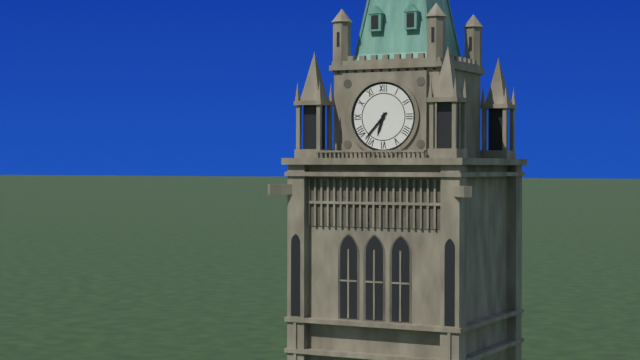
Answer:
6.37
